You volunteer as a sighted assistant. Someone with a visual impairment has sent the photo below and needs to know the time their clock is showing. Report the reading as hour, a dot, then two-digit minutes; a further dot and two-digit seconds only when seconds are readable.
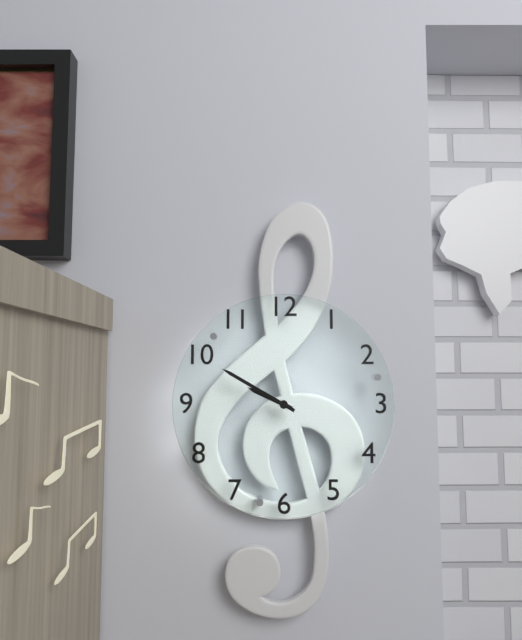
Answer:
9.50
